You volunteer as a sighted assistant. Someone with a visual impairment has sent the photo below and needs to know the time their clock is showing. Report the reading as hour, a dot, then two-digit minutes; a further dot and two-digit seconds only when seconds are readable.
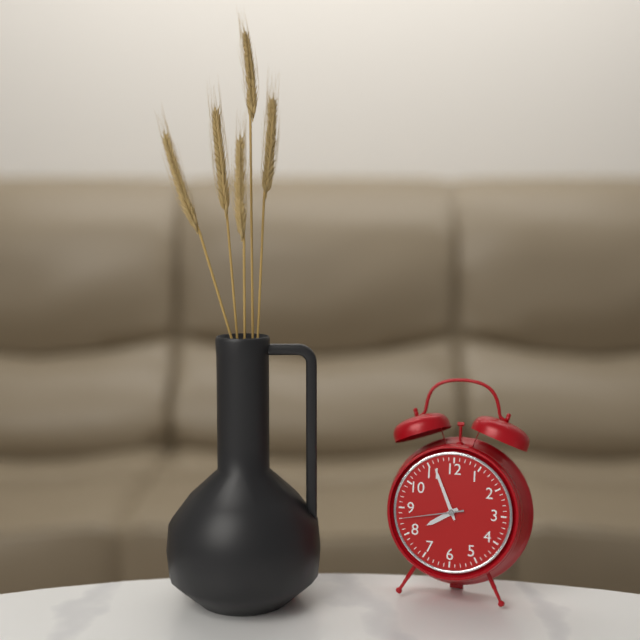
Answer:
7.56.43
